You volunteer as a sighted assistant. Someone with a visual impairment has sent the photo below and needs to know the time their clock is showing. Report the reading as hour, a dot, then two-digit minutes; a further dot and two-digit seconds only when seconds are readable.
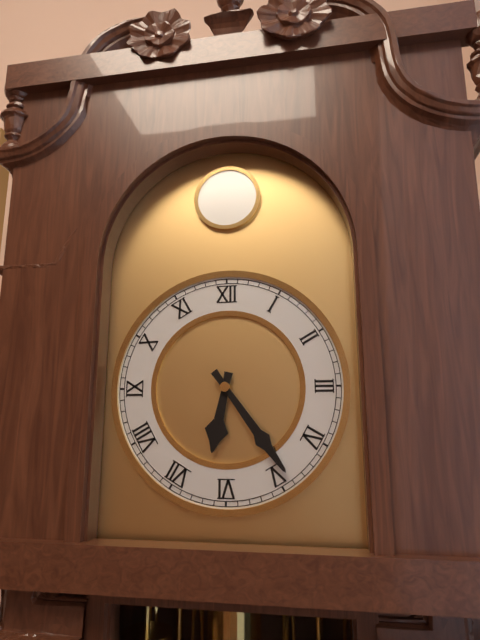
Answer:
6.24
